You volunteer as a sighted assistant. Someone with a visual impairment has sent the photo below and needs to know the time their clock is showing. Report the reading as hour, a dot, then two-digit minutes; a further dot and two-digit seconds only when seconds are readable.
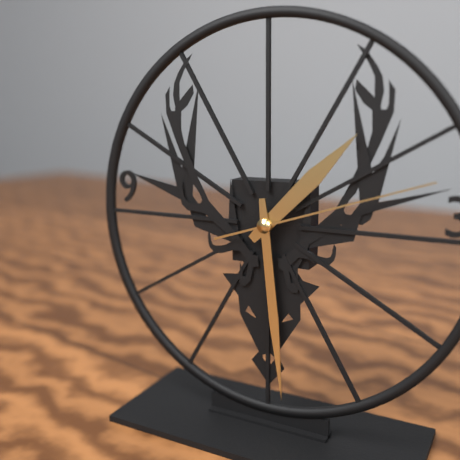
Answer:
1.29.12
